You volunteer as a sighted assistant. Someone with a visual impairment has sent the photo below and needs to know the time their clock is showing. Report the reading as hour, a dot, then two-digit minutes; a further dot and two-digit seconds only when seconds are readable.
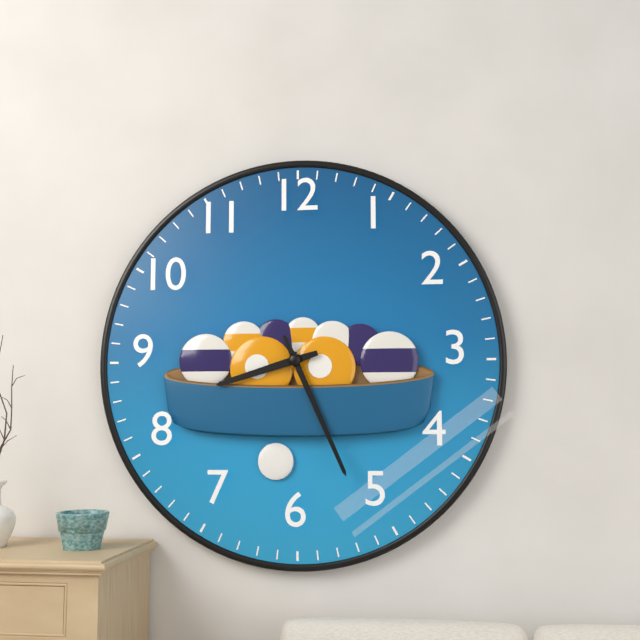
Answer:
8.26
